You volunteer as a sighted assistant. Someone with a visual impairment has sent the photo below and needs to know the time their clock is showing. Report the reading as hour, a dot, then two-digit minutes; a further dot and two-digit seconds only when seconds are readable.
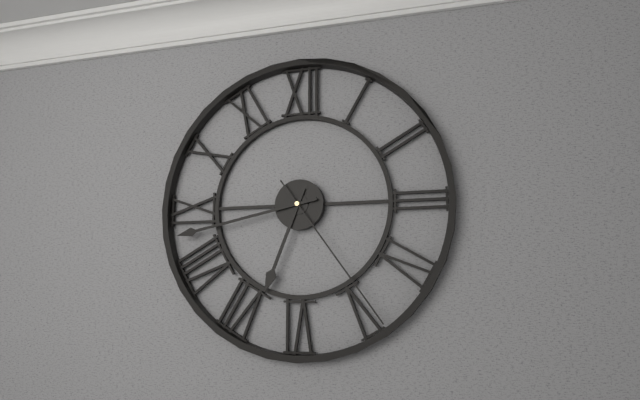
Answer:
6.43.24
